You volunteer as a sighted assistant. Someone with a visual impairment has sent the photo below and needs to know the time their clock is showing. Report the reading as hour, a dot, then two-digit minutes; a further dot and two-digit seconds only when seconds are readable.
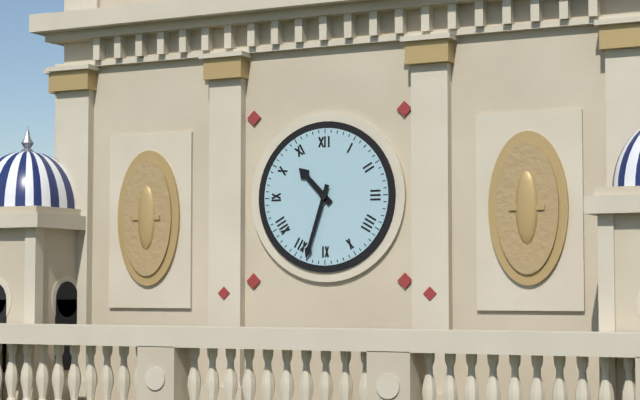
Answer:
10.33
